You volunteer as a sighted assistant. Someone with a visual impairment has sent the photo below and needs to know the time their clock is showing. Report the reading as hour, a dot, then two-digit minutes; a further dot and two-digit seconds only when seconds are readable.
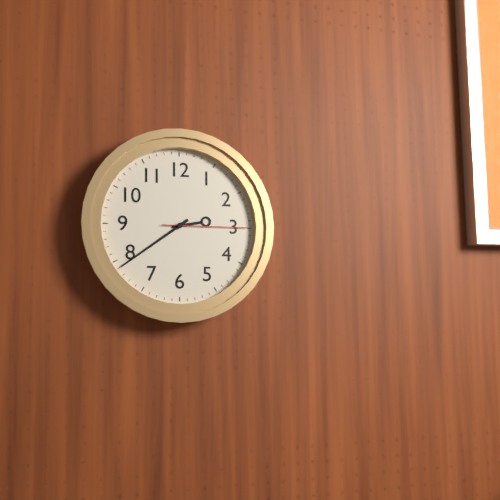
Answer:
2.39.15
